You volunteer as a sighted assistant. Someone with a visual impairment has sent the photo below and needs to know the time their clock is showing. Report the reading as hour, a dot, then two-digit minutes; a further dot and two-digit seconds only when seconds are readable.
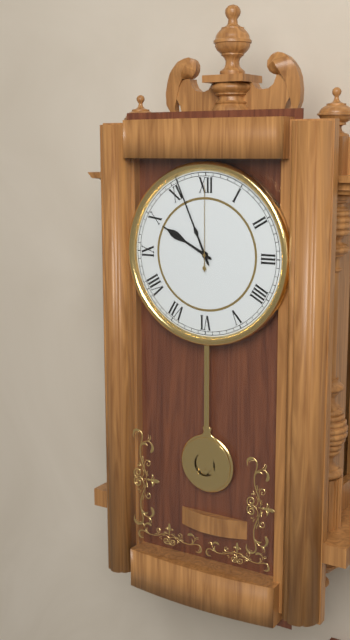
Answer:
9.56.00
